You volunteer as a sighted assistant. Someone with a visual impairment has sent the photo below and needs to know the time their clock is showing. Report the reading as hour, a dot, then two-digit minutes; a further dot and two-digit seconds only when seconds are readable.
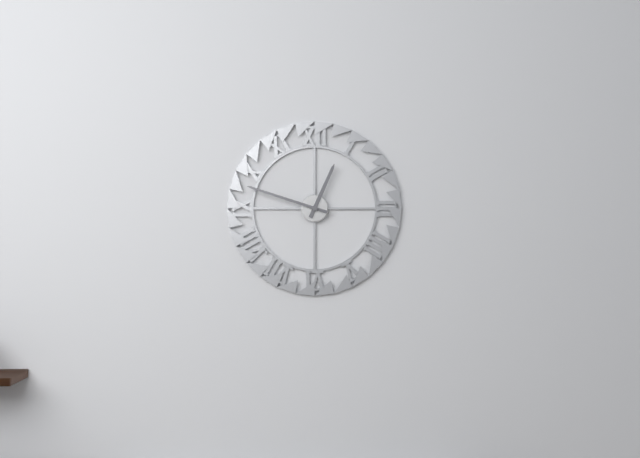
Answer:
12.48
